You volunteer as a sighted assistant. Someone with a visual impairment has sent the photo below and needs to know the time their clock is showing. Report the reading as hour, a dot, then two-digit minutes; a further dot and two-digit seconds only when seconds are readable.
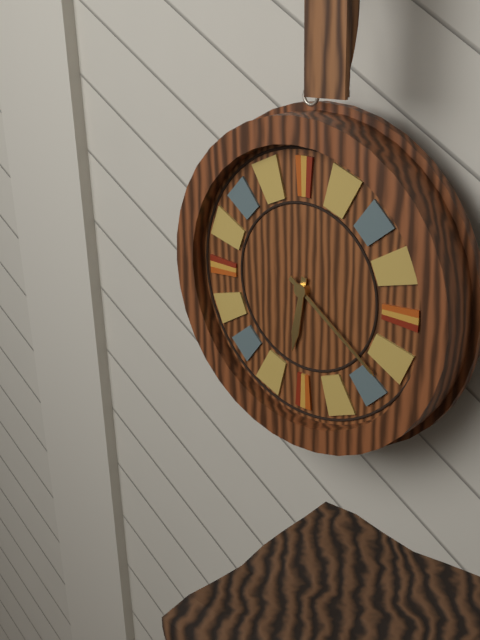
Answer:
6.21
